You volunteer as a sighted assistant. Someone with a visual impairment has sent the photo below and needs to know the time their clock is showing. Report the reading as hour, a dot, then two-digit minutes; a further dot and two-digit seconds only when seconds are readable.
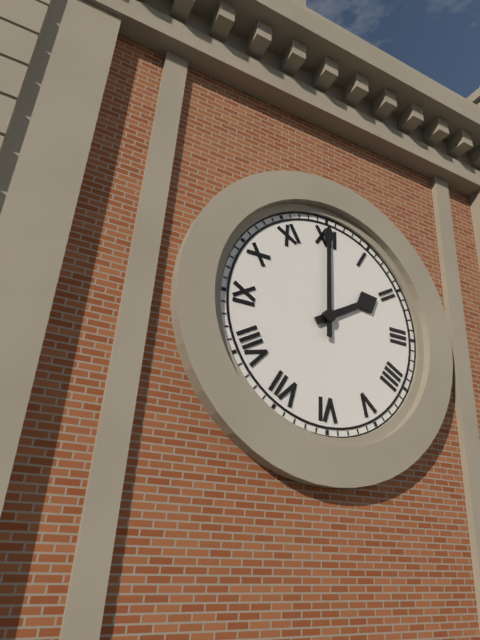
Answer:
2.00
